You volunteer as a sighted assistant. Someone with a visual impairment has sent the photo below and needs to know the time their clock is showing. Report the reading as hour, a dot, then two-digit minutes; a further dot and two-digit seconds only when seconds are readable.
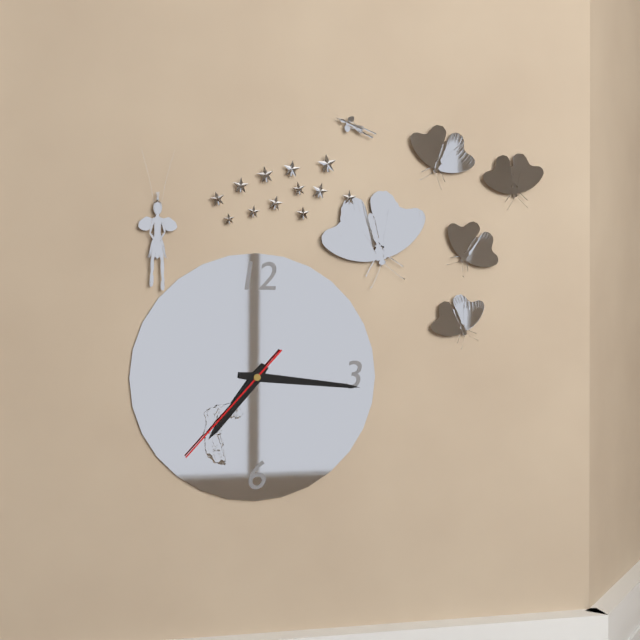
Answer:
7.16.37
